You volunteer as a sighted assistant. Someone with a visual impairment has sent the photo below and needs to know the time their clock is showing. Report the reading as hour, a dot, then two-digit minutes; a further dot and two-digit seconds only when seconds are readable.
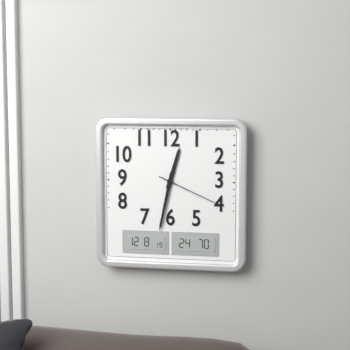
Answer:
12.32.19
